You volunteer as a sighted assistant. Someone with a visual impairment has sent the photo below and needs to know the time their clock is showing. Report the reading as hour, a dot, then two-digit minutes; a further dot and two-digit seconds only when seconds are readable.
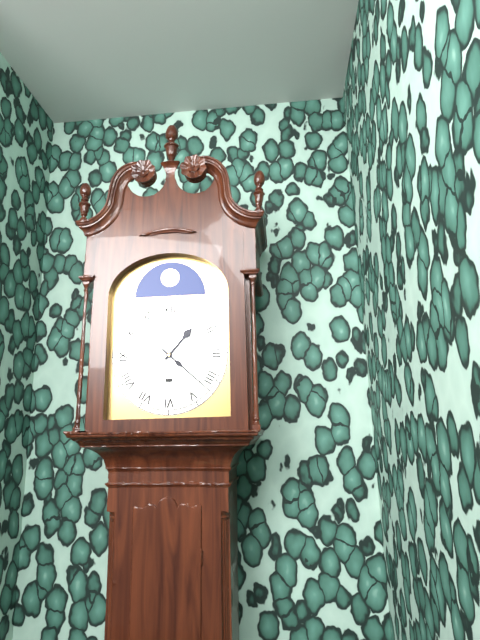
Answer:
1.22
